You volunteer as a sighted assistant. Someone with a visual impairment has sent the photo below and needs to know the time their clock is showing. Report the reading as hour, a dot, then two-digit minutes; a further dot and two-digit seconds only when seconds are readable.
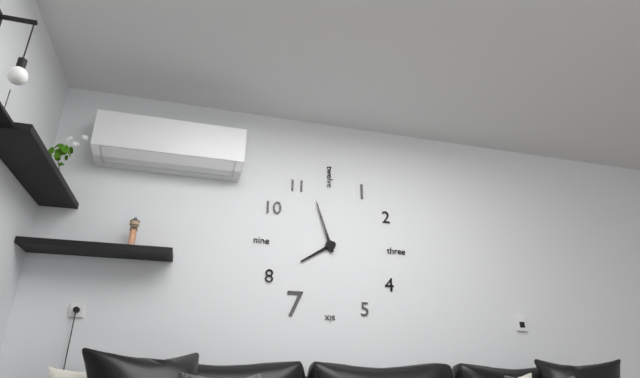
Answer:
7.57
